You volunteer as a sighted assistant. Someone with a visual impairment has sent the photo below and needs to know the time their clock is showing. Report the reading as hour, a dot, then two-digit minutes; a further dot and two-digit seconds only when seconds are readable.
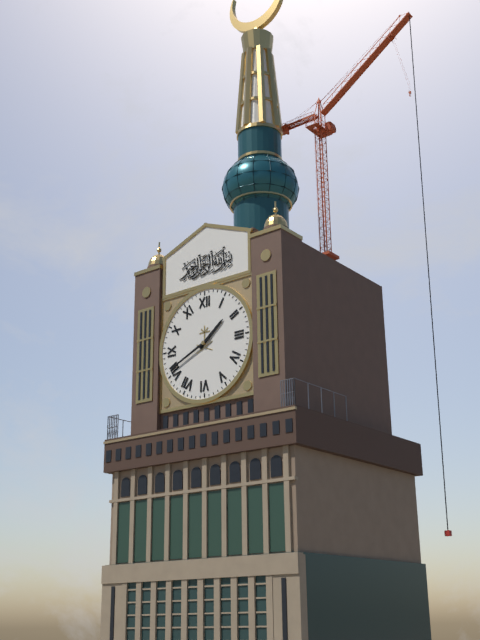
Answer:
1.41
